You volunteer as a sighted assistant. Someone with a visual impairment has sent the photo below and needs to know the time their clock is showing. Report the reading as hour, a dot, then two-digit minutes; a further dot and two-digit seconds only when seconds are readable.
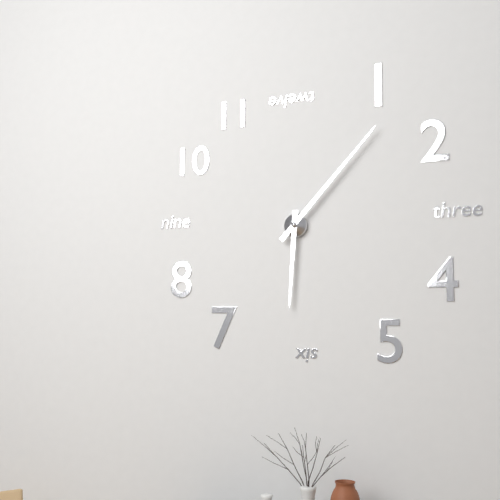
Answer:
6.07
